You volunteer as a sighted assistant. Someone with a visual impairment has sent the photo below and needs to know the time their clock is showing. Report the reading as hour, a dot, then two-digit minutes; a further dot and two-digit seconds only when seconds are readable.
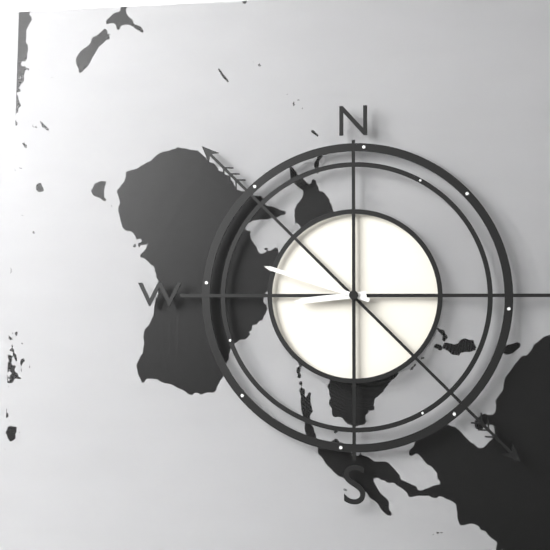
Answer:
8.48
